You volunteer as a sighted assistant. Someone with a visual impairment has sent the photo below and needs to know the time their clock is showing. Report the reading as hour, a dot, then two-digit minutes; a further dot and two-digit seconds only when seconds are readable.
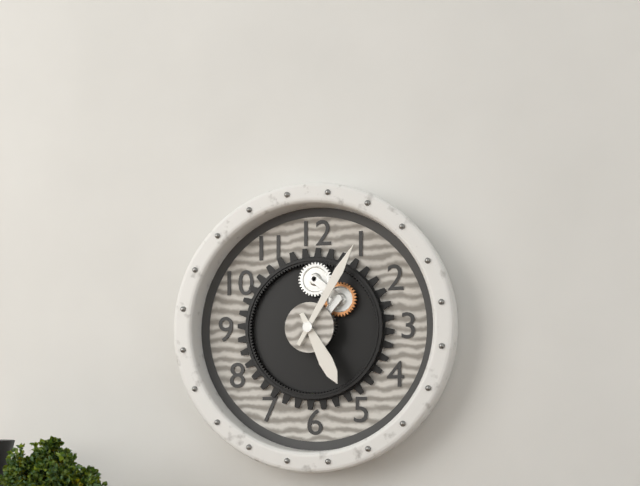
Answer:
5.05
